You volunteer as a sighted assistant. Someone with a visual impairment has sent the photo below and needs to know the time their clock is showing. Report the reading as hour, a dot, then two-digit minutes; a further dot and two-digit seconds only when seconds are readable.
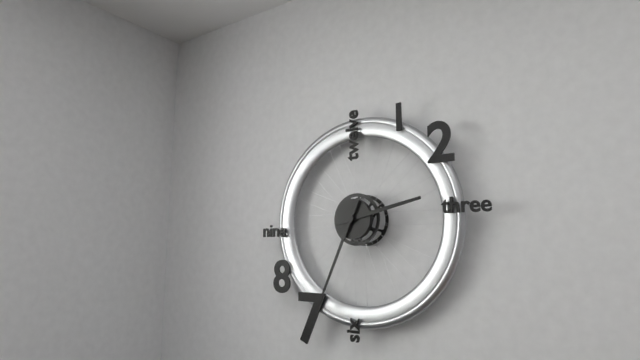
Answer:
2.34
